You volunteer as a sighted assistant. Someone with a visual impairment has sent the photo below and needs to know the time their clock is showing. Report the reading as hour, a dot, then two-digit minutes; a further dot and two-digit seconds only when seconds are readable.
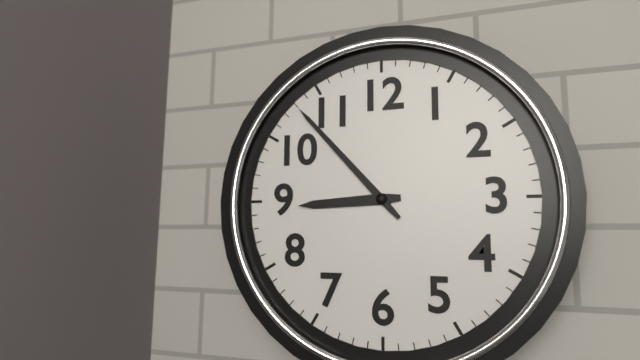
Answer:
8.53
